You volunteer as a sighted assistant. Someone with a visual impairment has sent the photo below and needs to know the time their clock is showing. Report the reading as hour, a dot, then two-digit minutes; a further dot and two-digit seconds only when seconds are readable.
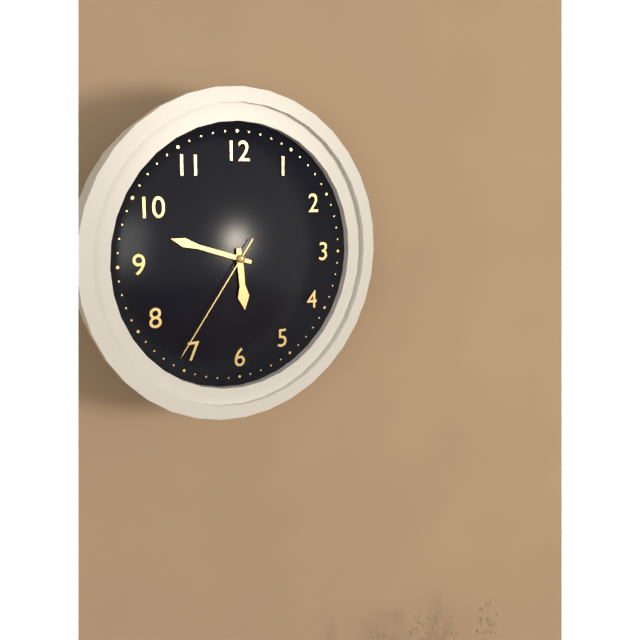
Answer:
5.48.36
